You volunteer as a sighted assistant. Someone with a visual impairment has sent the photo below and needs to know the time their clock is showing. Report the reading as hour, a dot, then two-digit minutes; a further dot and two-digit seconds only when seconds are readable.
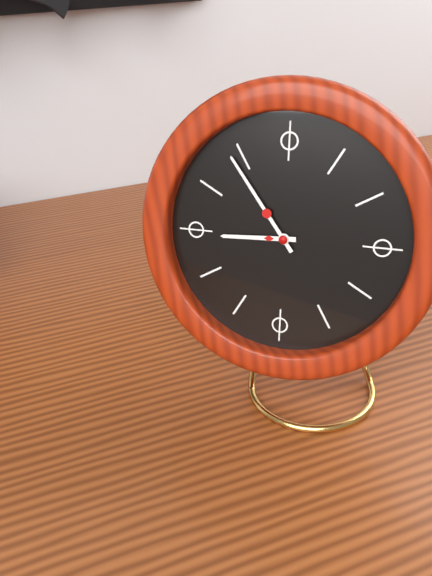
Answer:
8.54
